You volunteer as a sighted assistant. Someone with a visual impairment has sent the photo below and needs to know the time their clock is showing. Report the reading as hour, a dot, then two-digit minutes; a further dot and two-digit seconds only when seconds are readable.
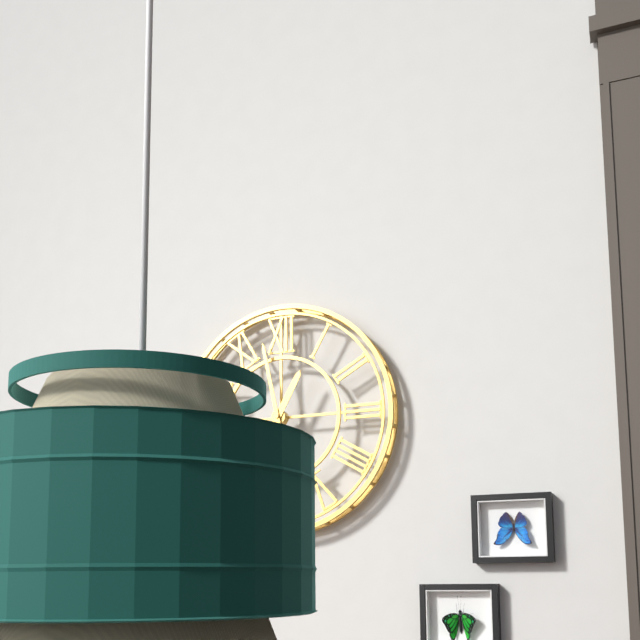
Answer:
12.58
